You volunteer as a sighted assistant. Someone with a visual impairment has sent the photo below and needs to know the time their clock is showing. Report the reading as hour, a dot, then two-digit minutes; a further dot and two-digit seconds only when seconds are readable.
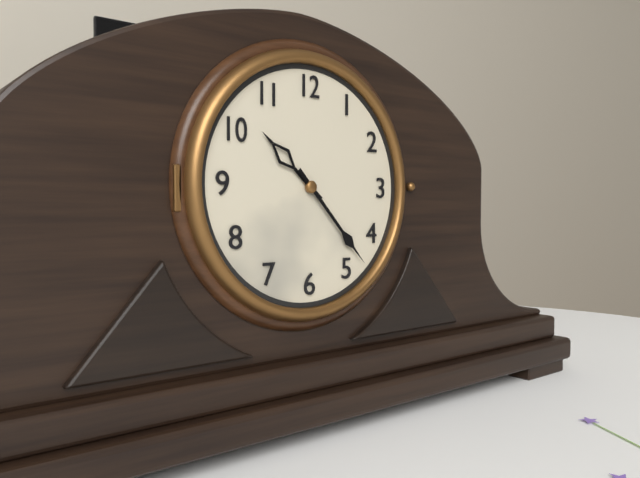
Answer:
10.23
